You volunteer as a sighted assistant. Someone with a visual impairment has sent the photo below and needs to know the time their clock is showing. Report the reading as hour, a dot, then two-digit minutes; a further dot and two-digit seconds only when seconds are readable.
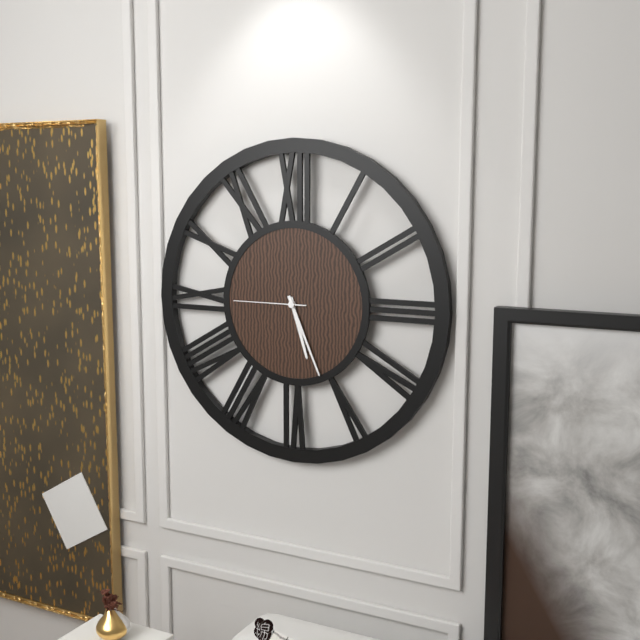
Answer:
5.26.45
